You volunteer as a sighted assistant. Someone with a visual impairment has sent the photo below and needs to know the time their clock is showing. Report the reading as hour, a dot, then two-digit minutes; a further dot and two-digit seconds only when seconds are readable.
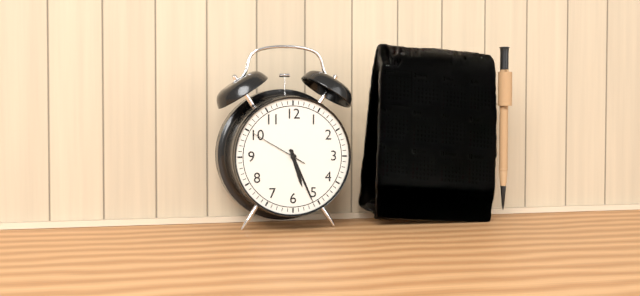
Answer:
5.26.50
